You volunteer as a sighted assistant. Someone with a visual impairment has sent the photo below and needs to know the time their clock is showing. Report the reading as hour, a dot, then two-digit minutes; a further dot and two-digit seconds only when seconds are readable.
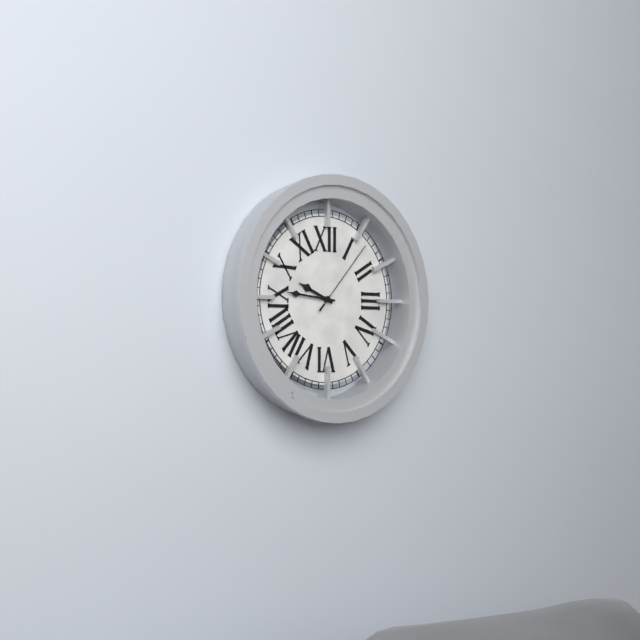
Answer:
9.46.07
